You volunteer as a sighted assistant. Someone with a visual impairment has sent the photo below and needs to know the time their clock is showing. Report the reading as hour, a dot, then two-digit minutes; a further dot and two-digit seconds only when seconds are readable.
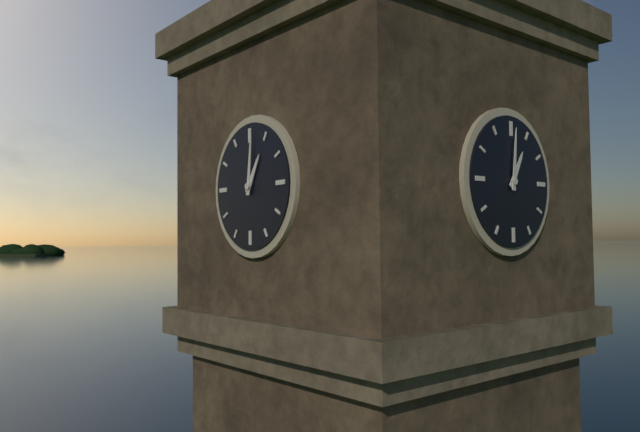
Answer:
1.01
